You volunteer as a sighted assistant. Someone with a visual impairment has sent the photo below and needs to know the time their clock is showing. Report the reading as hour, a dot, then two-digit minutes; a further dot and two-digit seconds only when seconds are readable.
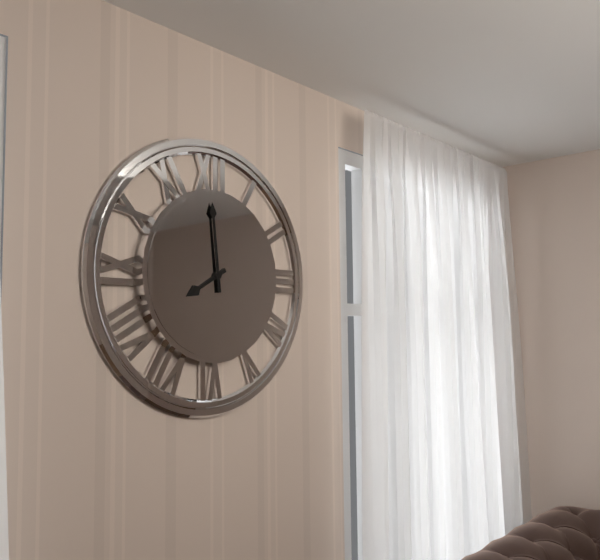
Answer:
7.59
